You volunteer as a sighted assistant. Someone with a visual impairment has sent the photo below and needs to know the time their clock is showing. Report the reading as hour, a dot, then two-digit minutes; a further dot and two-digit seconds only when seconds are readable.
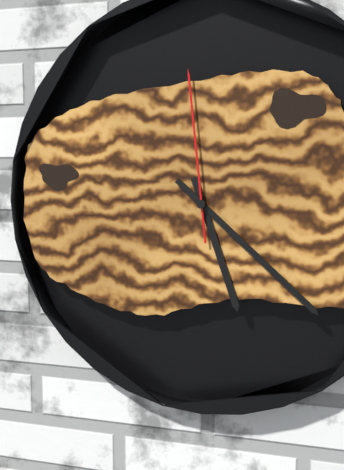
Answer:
5.22.59
